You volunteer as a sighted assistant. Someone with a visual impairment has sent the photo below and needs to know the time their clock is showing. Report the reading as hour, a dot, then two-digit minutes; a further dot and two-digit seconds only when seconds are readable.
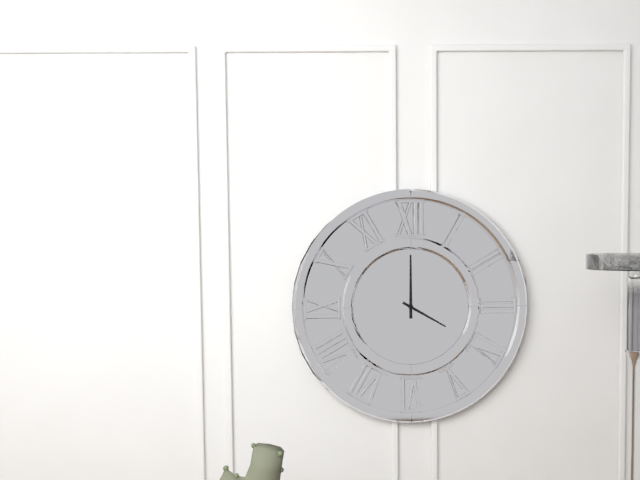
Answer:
4.00
